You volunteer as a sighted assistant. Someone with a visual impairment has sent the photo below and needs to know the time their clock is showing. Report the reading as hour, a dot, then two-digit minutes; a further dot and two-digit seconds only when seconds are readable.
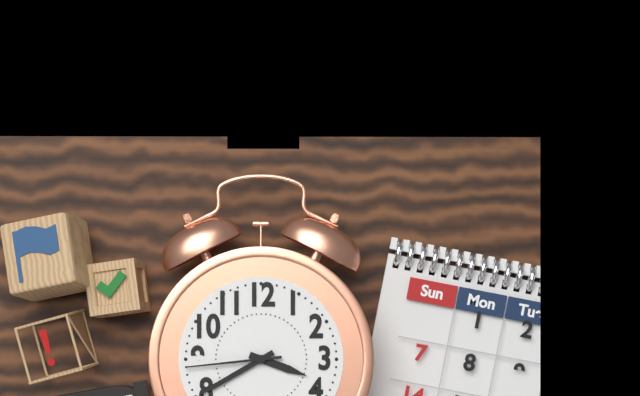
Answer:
3.40.44
